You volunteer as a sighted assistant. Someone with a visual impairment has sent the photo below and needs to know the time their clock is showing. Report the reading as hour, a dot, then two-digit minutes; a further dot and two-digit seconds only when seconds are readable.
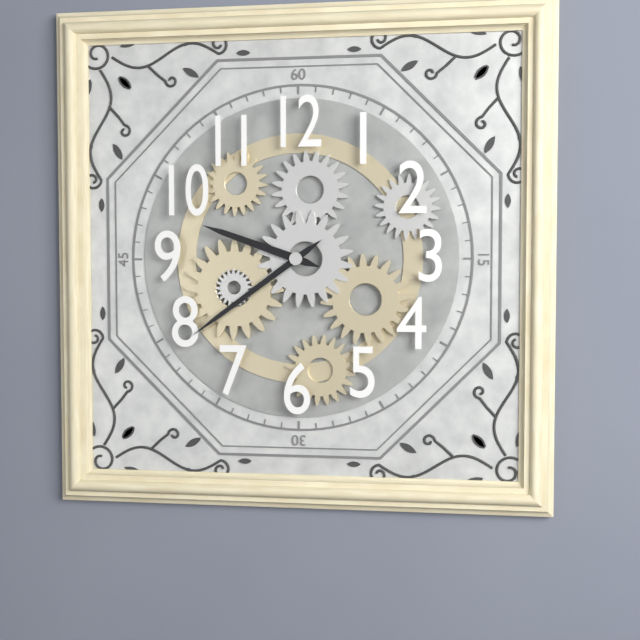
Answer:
9.39
